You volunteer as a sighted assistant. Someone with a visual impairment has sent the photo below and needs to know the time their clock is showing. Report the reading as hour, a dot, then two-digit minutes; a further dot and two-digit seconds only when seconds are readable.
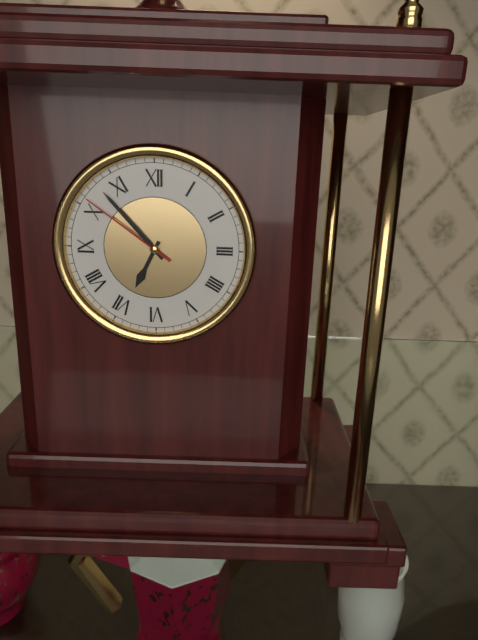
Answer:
6.53.51
